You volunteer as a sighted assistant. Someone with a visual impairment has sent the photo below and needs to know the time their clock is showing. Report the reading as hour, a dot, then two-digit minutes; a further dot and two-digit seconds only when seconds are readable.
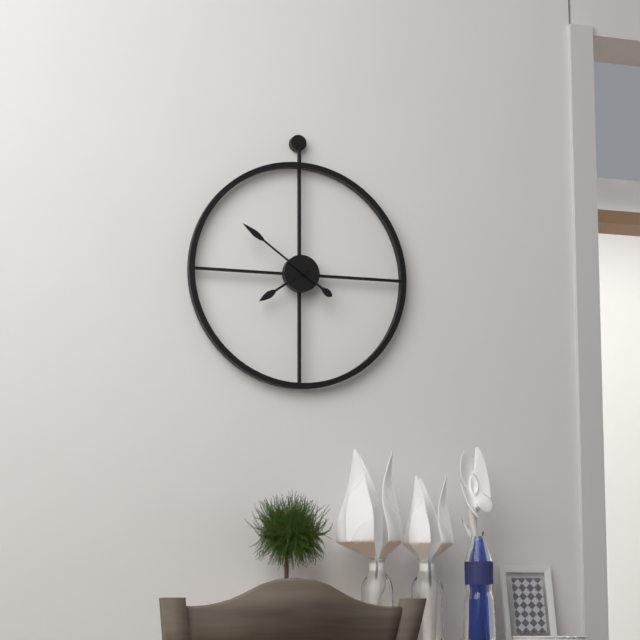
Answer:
7.51
